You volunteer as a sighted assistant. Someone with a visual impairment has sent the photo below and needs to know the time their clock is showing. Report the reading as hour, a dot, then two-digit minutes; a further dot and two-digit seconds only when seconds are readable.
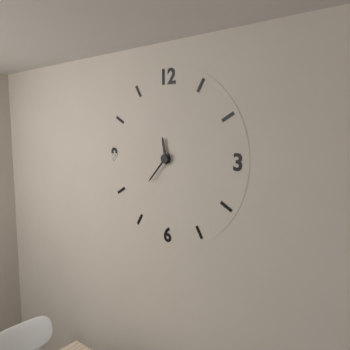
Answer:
11.37
